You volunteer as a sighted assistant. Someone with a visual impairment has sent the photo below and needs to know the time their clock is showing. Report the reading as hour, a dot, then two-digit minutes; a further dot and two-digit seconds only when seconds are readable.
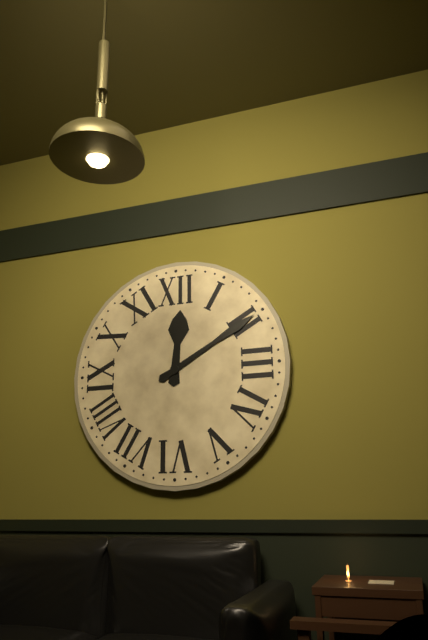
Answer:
12.10
